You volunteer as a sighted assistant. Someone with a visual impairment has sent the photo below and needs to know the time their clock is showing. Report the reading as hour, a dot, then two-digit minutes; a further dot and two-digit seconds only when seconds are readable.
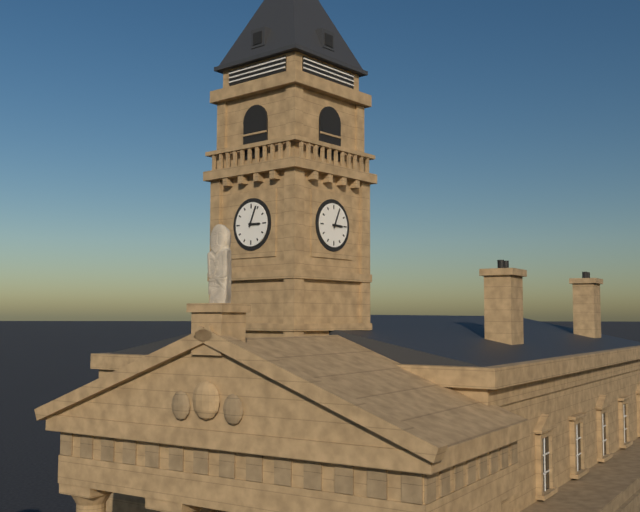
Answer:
3.04
